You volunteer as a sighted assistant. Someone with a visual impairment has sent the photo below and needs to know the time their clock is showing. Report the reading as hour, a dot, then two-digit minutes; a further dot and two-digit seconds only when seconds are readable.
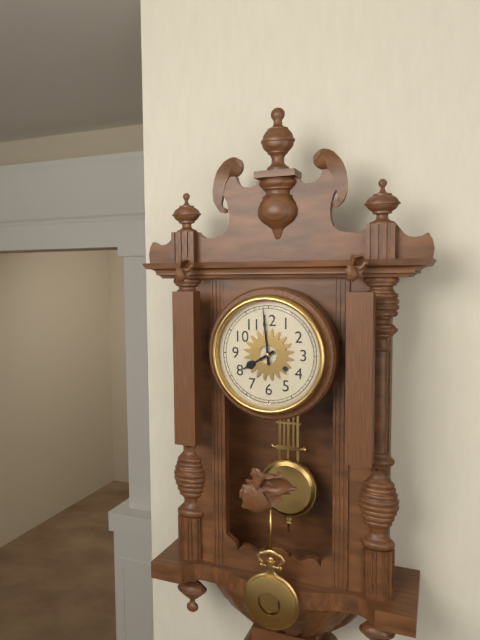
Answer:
7.59
